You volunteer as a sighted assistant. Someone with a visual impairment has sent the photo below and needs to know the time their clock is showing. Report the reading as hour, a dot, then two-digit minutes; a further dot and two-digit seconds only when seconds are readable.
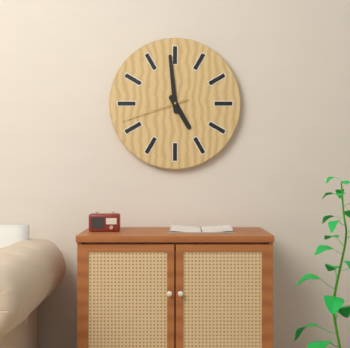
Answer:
4.59.42
